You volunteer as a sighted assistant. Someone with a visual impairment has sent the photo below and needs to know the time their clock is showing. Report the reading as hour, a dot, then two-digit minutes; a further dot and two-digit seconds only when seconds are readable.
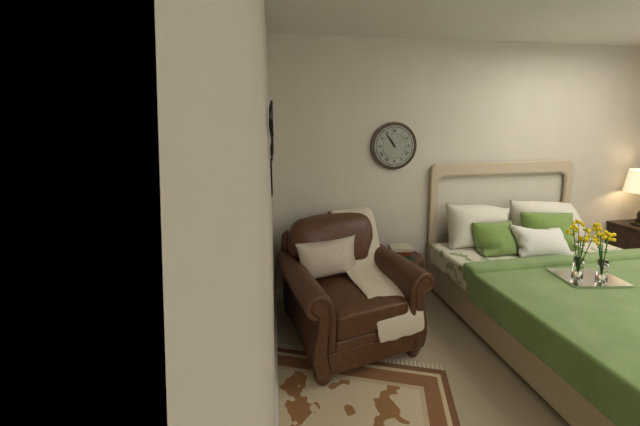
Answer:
10.54
